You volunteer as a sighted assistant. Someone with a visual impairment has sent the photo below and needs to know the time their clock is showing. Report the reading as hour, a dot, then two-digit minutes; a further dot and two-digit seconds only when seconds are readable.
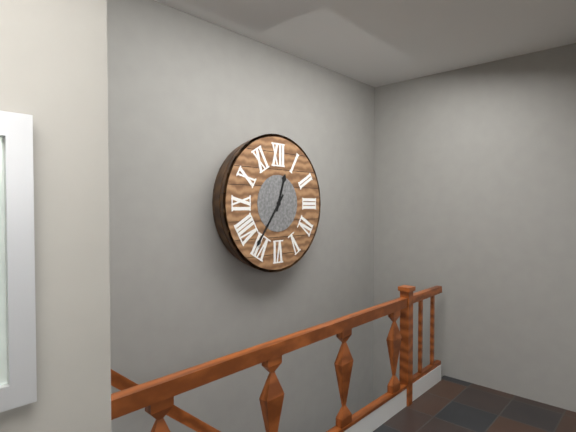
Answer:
12.36
